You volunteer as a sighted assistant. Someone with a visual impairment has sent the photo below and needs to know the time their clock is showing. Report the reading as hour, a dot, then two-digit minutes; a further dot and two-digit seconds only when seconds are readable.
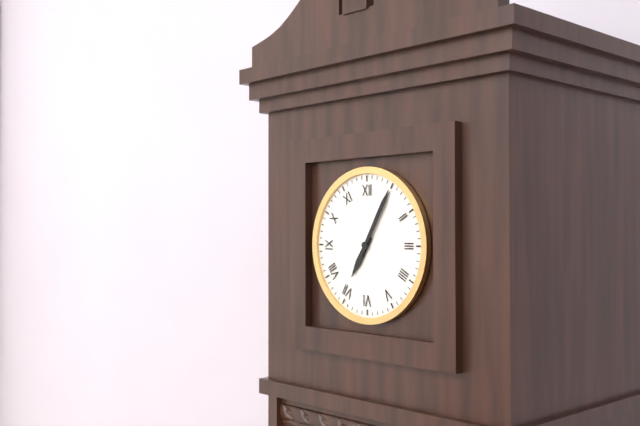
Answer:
7.05
